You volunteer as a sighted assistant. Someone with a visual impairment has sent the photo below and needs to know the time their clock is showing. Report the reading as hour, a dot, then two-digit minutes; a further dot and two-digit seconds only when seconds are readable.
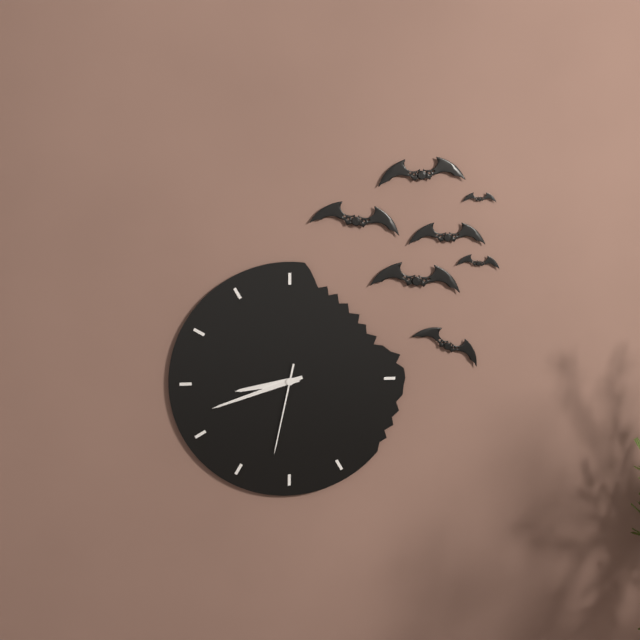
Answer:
8.42.32
